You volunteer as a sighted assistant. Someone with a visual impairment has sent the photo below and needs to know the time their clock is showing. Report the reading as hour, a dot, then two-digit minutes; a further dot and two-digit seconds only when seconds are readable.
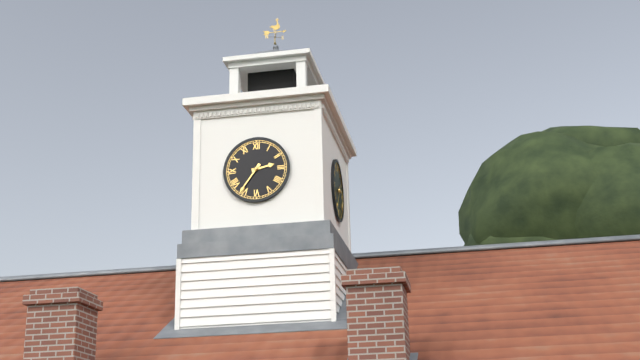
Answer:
2.36
